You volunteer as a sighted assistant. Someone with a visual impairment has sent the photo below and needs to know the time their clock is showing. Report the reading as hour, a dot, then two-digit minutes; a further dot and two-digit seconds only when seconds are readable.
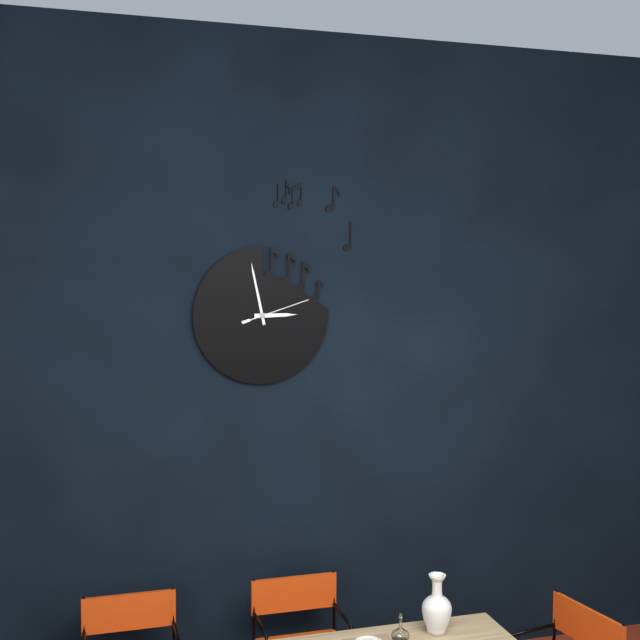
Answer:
2.58.12
